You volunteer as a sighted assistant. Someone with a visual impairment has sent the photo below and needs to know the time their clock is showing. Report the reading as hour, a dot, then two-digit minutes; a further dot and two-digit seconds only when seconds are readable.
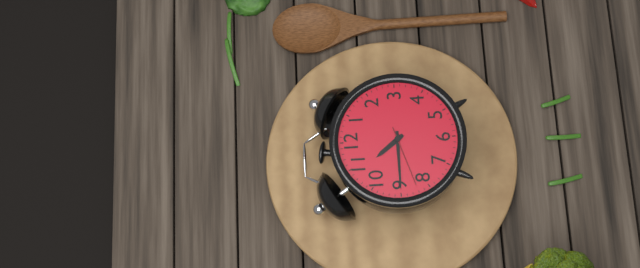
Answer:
10.45.42
